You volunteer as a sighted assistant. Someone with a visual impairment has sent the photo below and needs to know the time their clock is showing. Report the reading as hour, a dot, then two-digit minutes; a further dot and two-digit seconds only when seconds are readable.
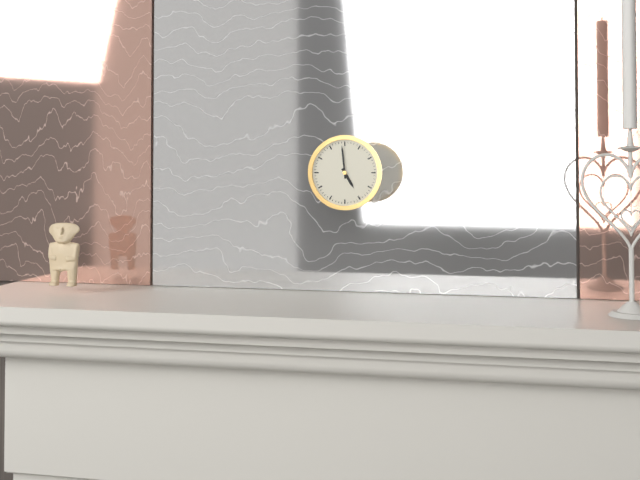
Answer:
4.59
